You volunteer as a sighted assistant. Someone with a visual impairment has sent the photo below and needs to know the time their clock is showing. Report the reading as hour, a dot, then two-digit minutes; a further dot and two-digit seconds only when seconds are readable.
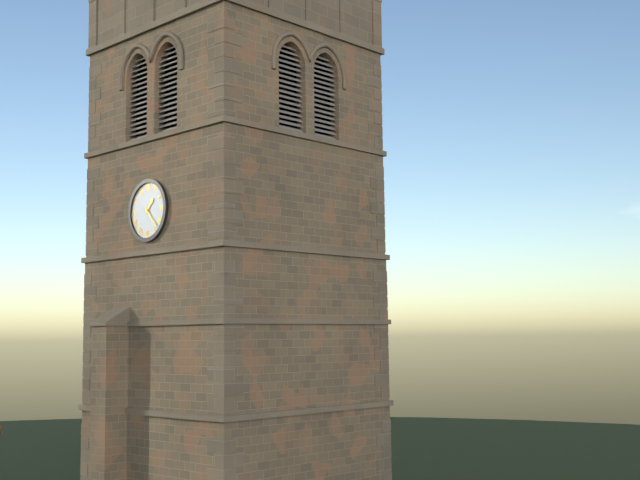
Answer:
1.23
